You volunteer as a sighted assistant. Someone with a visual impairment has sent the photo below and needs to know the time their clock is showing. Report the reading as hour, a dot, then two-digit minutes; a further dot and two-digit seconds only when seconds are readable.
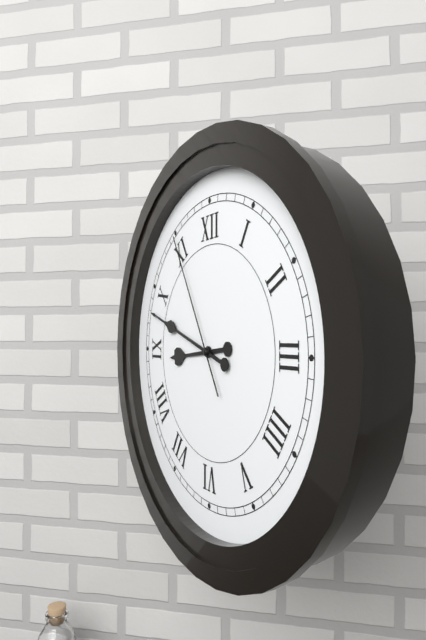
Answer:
8.48.55
